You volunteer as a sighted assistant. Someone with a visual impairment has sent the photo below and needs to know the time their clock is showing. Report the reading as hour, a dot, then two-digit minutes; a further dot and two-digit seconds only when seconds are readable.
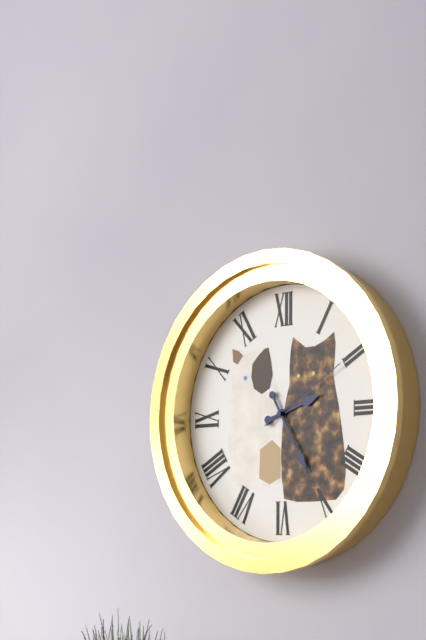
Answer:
2.25.10
